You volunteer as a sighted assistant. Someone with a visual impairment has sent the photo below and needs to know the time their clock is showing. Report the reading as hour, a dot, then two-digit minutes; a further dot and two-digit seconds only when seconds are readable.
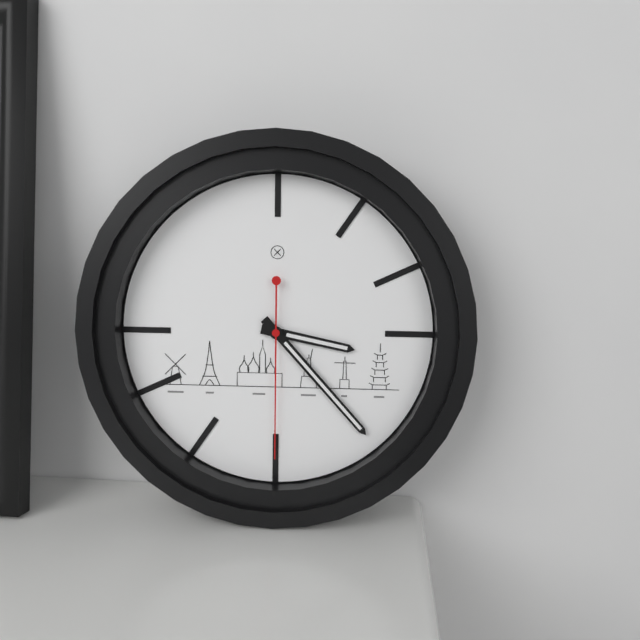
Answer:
3.23.30
